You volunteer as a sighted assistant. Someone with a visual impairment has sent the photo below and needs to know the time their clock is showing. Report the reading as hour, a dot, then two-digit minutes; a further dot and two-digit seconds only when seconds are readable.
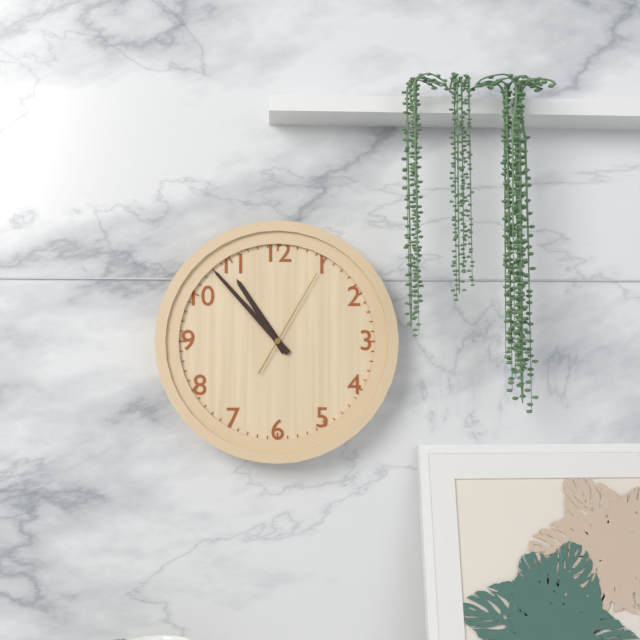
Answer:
10.53.05
